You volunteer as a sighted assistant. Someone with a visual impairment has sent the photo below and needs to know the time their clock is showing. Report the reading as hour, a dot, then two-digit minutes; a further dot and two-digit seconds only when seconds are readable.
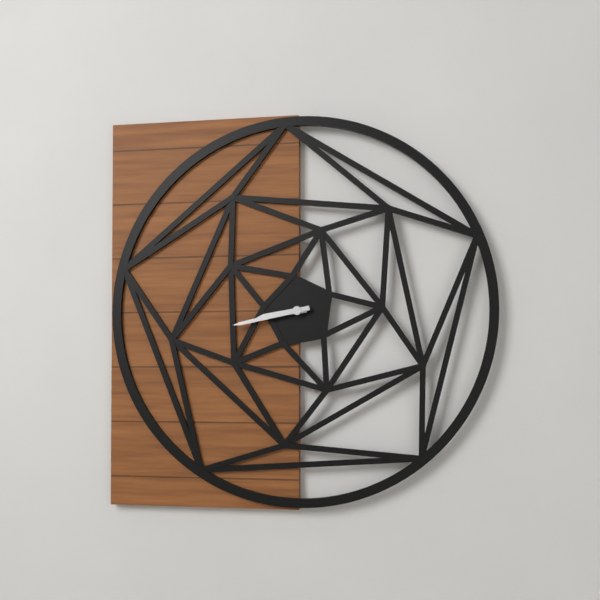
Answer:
8.43
